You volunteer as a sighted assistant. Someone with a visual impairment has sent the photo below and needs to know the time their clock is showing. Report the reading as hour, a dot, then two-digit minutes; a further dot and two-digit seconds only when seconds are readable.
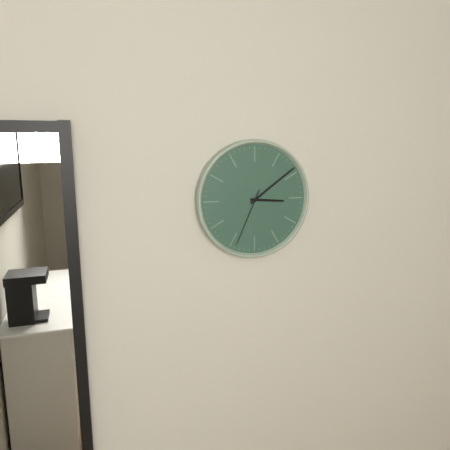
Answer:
3.09.34
